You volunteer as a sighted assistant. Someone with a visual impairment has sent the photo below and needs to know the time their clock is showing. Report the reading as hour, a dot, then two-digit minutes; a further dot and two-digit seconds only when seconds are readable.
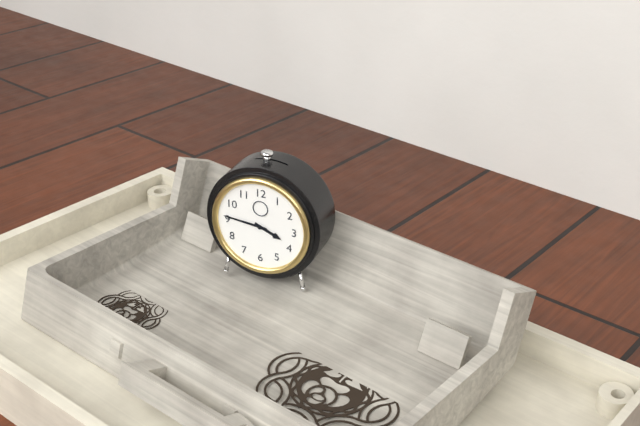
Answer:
3.46
